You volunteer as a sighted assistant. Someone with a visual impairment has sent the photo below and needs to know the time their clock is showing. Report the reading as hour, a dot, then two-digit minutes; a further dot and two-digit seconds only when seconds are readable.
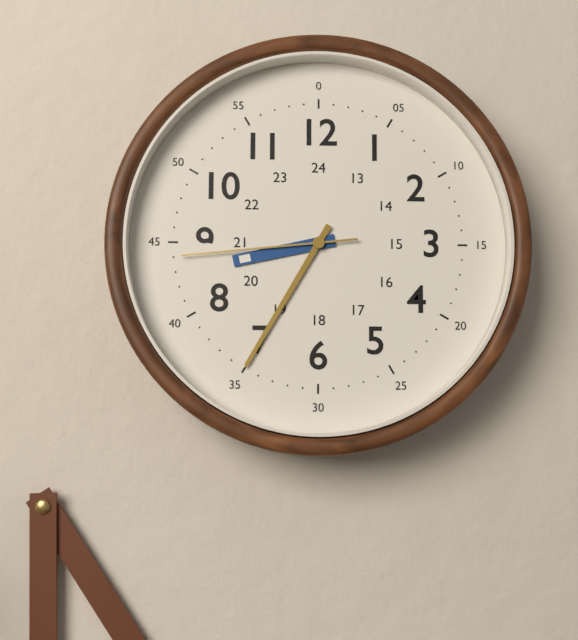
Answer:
8.35.44
